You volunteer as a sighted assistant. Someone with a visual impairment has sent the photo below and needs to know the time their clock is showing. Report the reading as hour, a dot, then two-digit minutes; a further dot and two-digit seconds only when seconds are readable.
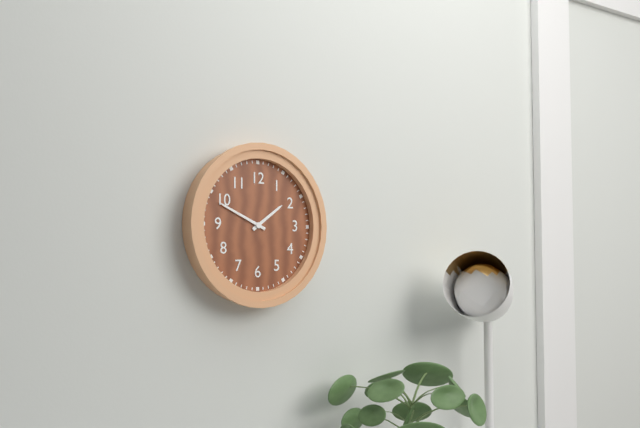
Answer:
1.49
